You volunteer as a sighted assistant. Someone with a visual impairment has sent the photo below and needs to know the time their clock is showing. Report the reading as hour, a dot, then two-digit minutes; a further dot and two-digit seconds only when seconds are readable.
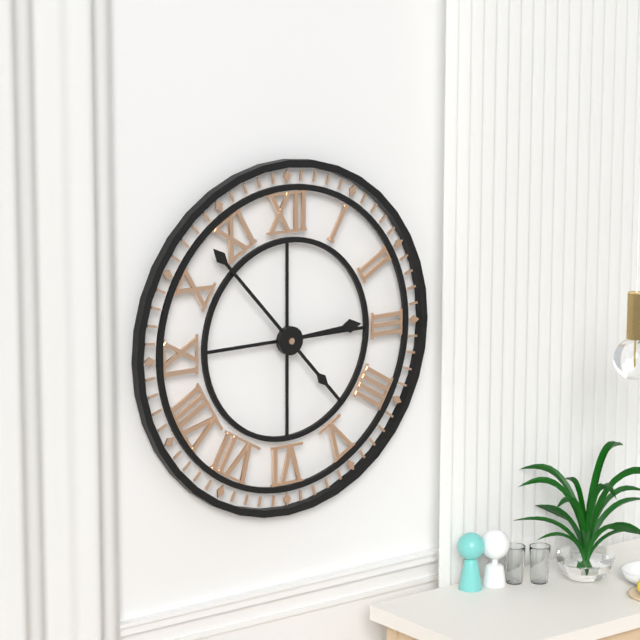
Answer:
2.53
